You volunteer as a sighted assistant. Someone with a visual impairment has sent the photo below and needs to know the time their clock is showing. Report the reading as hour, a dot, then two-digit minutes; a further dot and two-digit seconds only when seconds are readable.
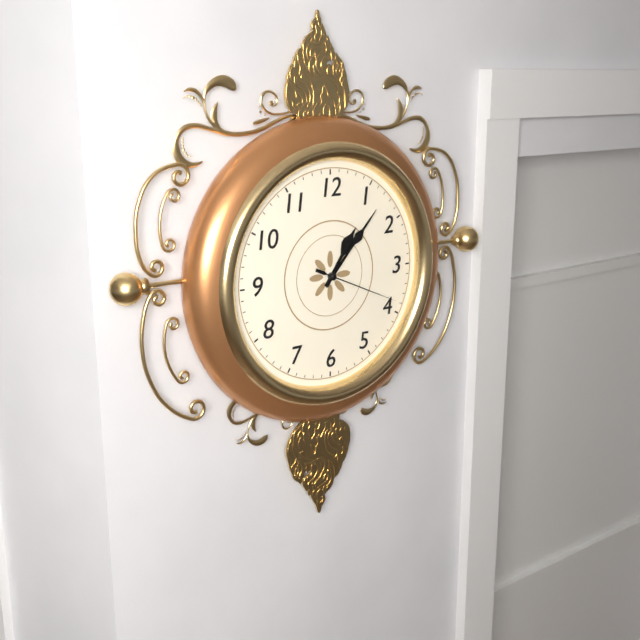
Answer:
1.07.19
